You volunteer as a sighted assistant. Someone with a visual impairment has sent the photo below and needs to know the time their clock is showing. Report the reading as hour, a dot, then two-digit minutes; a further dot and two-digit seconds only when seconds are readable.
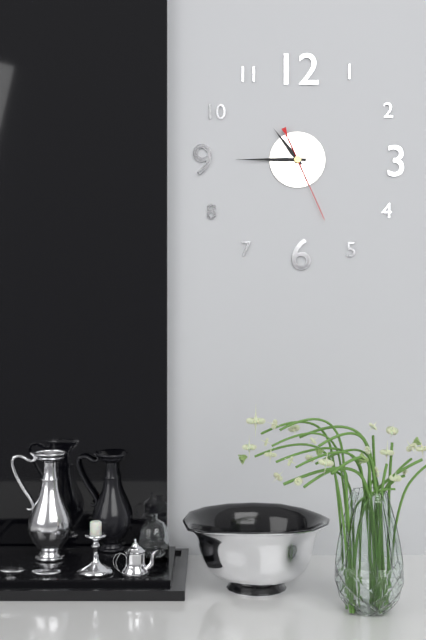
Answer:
10.45.26
